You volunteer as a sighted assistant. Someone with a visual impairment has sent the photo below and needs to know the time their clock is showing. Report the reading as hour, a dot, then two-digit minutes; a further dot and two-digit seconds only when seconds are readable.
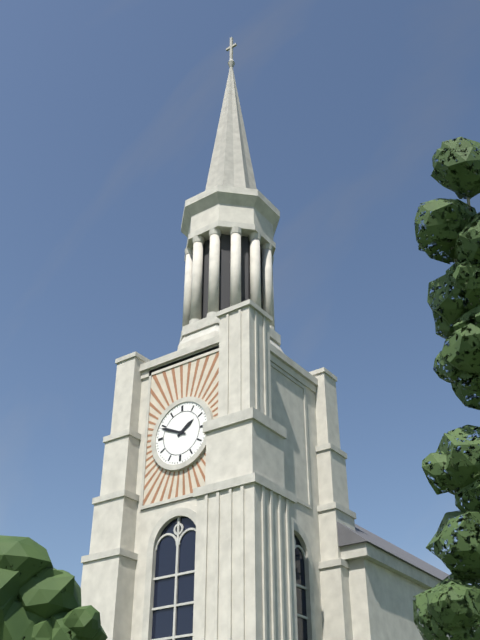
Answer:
1.49
